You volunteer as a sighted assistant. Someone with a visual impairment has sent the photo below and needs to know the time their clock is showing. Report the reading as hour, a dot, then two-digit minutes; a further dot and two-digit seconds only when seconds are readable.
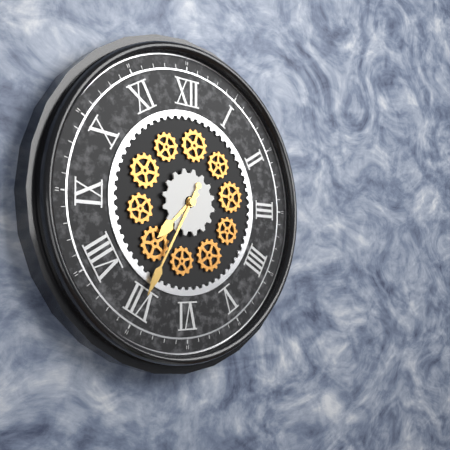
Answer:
7.35
